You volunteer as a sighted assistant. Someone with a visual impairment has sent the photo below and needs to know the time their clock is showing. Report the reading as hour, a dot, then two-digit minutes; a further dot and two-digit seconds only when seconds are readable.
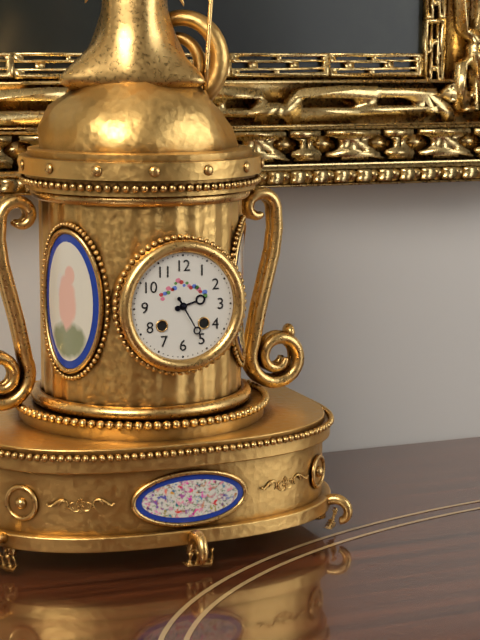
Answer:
2.25
